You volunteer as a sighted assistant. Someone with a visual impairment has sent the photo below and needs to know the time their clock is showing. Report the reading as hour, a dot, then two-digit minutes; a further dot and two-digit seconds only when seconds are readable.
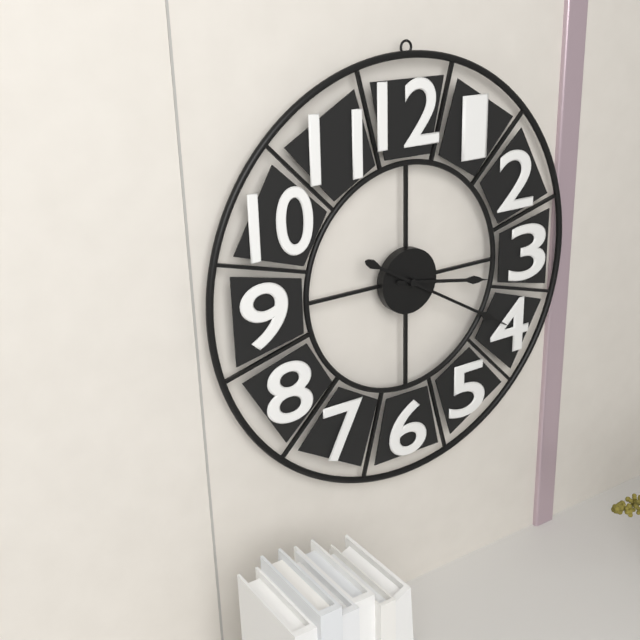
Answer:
3.20
